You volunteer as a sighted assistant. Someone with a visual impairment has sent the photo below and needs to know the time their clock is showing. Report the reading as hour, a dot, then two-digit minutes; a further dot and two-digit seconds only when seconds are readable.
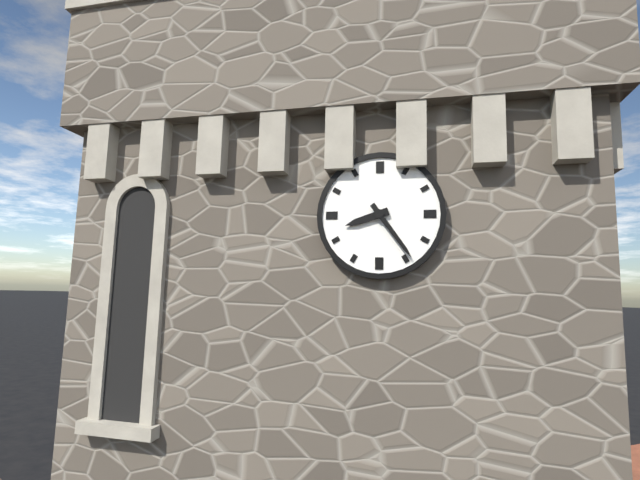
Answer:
8.24
